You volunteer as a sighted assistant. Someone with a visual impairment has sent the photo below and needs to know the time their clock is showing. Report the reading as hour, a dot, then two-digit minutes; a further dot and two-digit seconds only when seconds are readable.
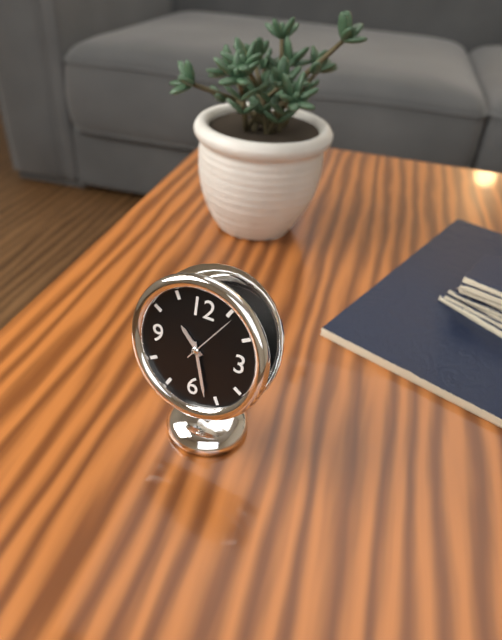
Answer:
10.27.06
